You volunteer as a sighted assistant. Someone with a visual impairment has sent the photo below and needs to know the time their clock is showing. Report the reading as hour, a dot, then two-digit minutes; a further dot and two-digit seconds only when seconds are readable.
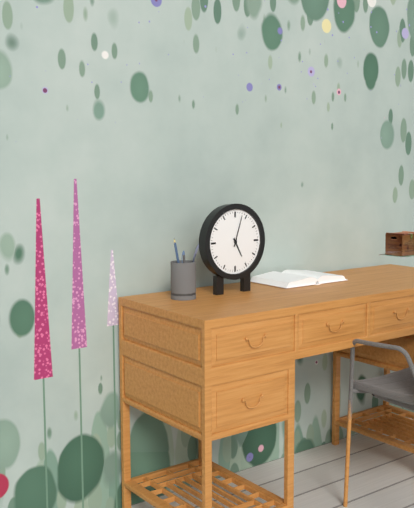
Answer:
5.03
